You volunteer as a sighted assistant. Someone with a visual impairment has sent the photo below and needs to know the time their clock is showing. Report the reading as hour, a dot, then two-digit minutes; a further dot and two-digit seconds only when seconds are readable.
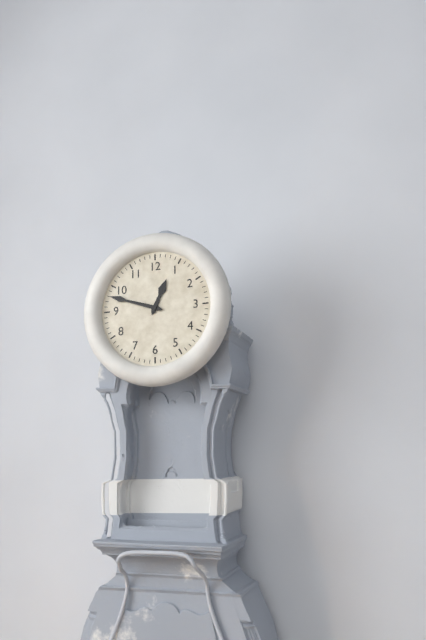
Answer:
12.48
